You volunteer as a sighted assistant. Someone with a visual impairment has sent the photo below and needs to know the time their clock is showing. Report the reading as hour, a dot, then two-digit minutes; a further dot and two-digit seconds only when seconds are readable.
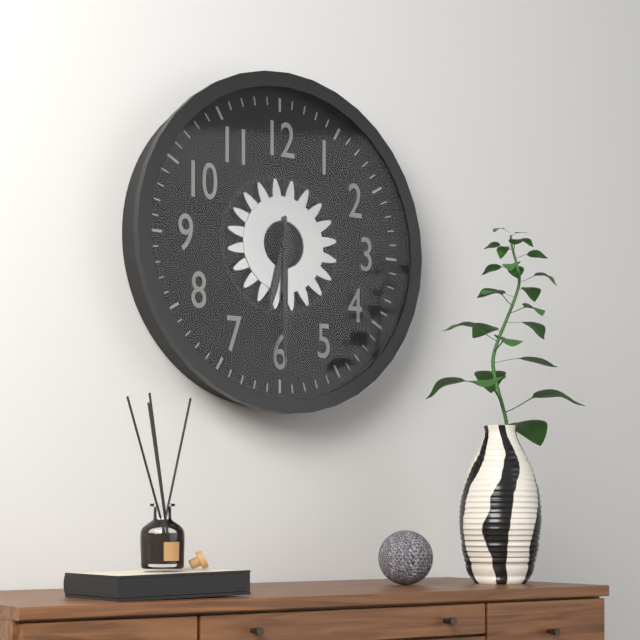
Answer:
6.30
